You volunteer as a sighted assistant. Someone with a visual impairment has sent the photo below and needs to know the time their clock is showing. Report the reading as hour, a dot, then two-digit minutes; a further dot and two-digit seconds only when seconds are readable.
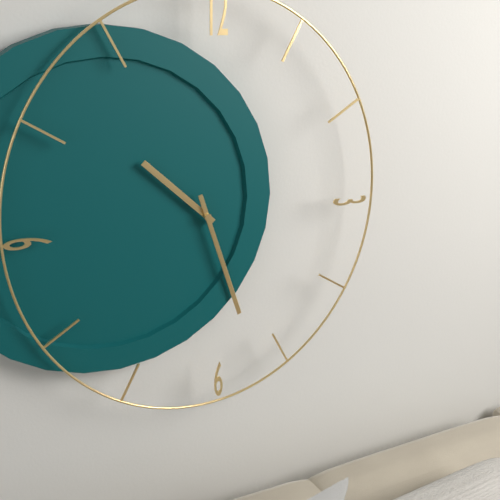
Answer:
10.27
